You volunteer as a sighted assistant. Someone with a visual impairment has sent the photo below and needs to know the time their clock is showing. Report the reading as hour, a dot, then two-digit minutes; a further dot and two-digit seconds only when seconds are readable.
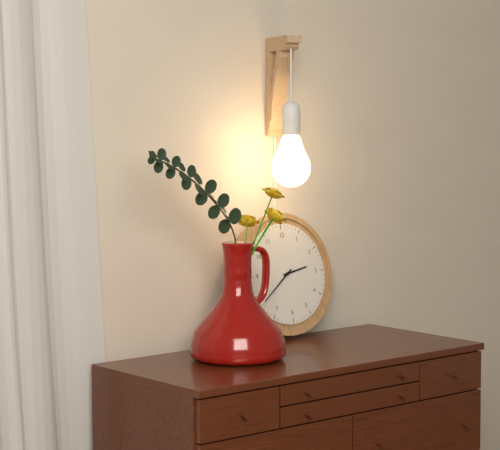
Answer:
2.39
